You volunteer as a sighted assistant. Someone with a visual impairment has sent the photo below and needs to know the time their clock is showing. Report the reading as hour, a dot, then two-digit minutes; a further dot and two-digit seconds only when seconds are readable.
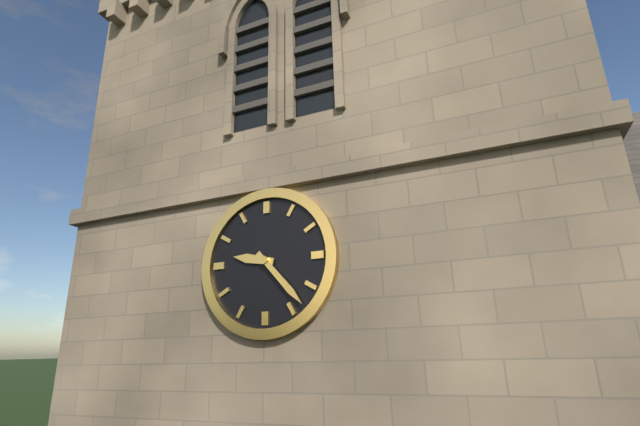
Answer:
9.23
